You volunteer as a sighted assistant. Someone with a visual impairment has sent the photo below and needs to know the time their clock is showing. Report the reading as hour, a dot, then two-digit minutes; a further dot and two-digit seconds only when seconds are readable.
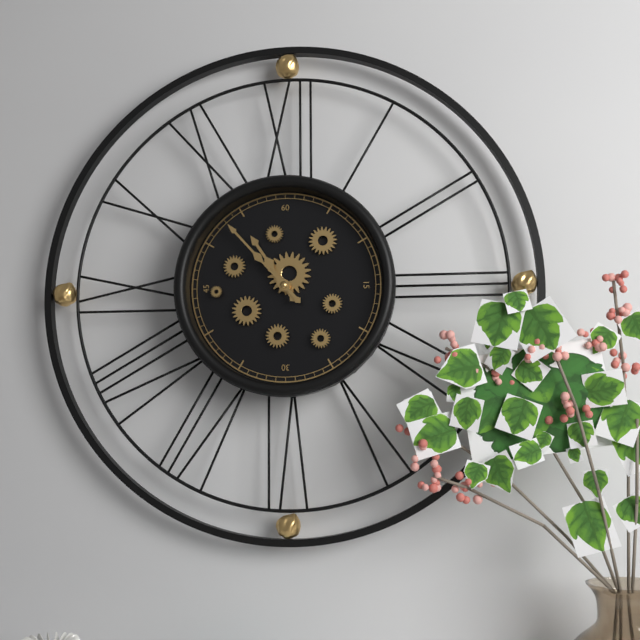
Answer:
10.53
